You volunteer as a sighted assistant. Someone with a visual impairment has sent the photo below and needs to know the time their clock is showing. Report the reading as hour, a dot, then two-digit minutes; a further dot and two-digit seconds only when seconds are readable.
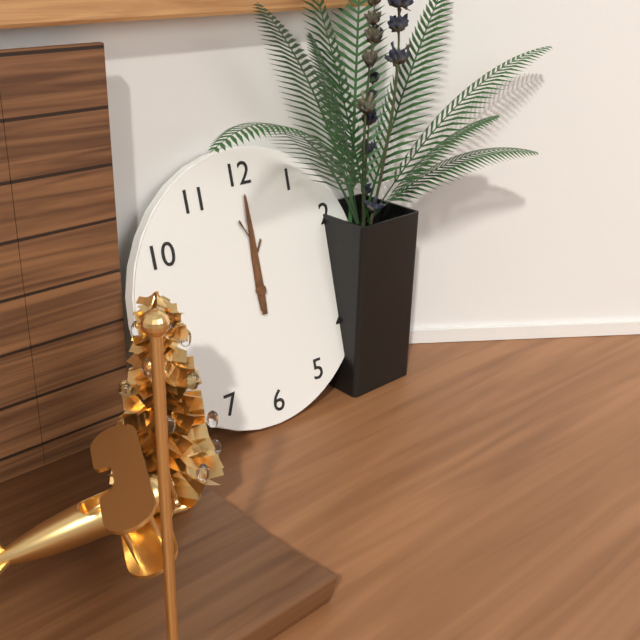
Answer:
12.00
